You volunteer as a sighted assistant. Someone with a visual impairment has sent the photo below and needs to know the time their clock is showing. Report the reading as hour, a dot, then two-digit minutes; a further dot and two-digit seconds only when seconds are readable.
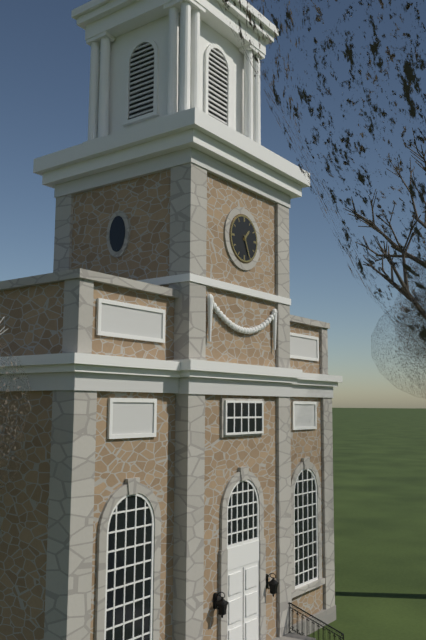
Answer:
1.26
